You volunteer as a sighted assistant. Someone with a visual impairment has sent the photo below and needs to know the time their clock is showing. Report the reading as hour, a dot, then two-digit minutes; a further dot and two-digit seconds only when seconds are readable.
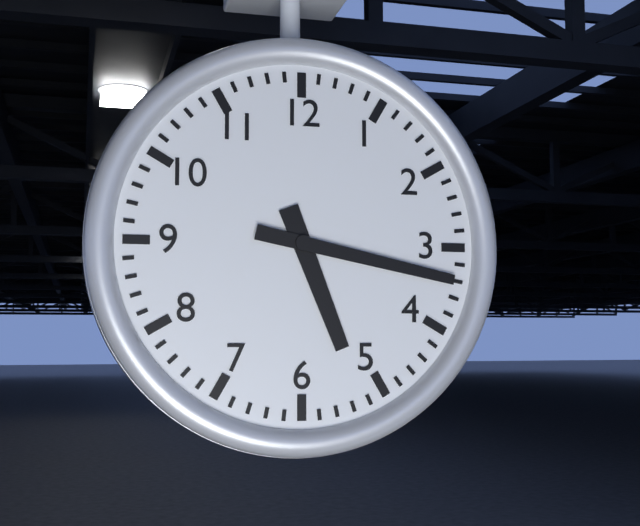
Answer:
5.17
